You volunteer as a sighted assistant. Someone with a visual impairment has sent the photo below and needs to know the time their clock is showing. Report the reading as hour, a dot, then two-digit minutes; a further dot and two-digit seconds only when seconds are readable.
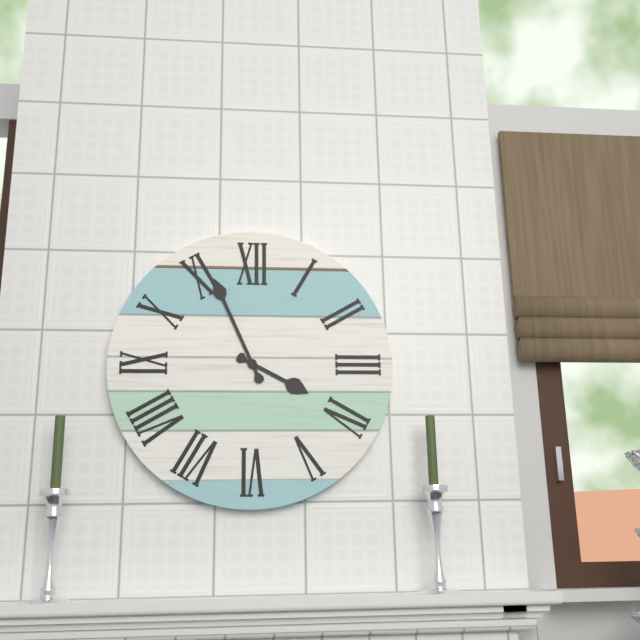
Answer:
3.56
